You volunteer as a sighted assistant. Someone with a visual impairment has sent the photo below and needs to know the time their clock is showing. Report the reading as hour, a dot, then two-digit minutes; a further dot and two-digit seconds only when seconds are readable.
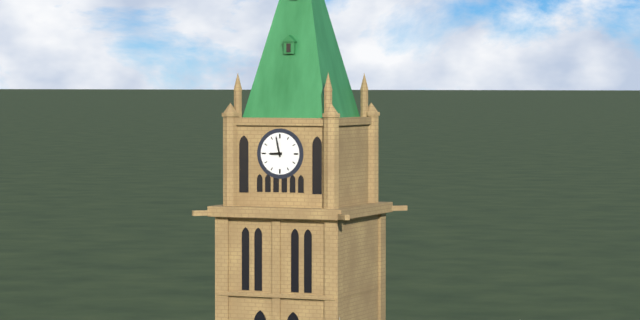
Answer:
8.58
